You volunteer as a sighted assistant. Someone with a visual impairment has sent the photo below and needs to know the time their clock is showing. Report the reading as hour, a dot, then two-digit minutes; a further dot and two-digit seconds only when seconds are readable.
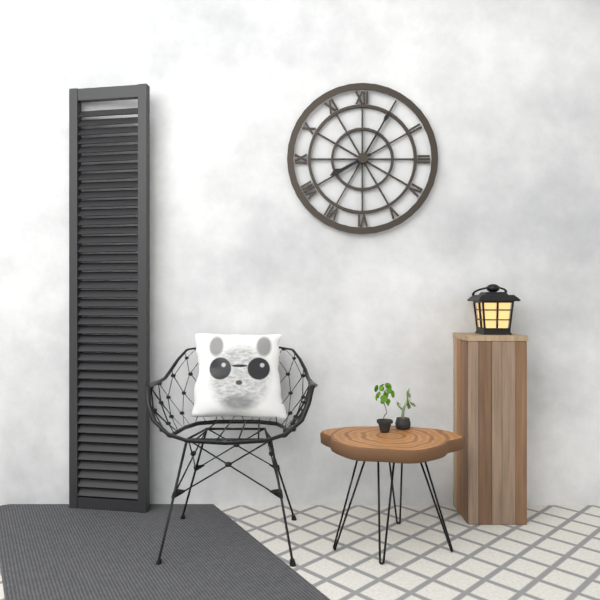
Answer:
8.05
